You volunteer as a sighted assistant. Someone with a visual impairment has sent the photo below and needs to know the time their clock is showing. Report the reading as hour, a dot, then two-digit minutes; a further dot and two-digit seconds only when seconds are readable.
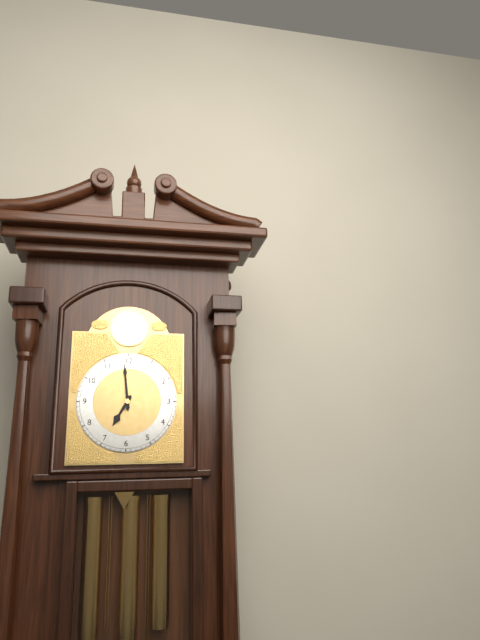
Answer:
6.59
